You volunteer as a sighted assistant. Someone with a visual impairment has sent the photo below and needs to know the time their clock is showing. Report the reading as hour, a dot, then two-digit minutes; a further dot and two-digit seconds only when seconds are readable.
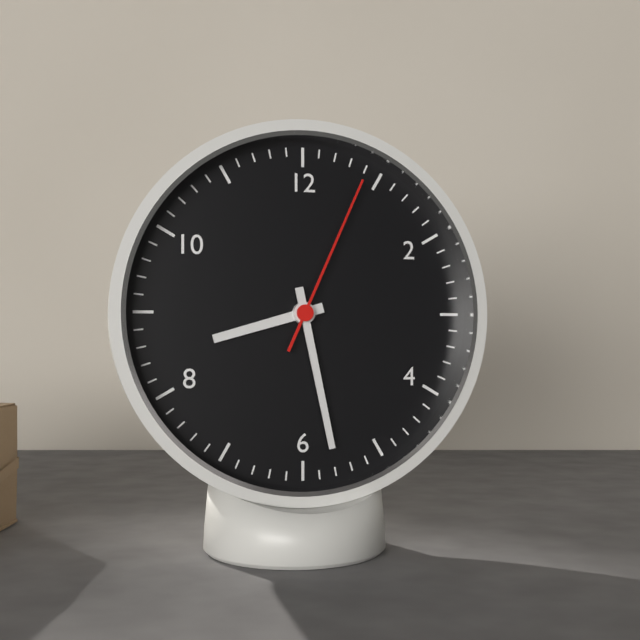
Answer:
8.28.04
